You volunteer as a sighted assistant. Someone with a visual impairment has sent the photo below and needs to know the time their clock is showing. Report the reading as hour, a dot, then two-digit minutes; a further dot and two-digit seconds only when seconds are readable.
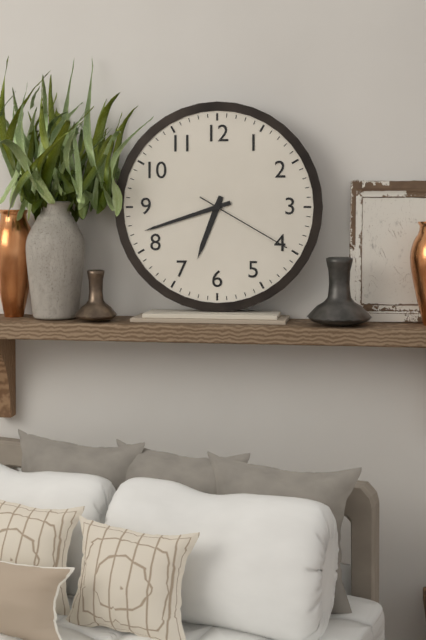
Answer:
6.42.20
